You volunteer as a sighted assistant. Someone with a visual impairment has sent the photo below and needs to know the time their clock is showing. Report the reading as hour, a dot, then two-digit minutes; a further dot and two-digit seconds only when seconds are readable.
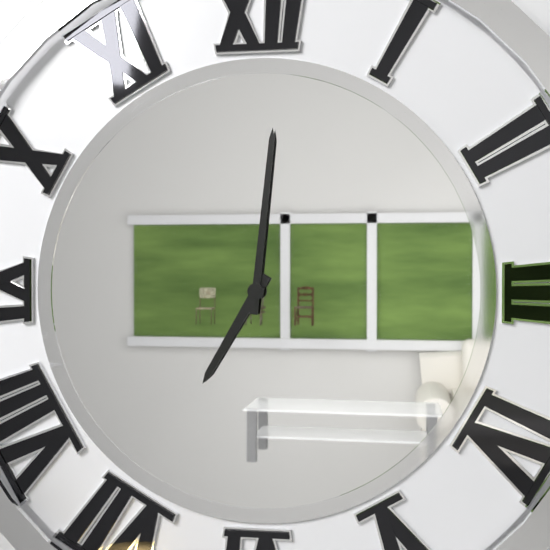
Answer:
7.01
